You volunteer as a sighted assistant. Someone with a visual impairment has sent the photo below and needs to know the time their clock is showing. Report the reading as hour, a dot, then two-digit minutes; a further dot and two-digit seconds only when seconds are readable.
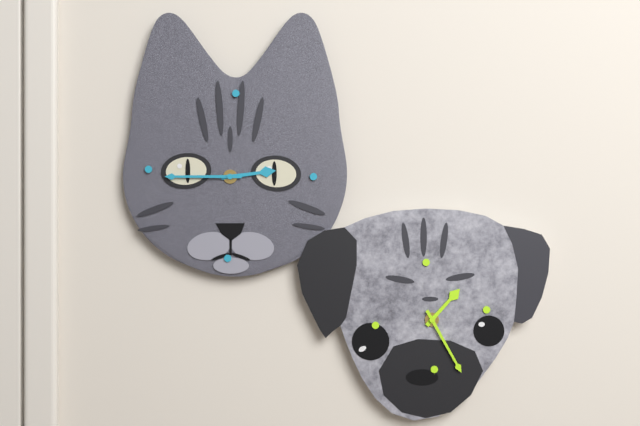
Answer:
2.45
